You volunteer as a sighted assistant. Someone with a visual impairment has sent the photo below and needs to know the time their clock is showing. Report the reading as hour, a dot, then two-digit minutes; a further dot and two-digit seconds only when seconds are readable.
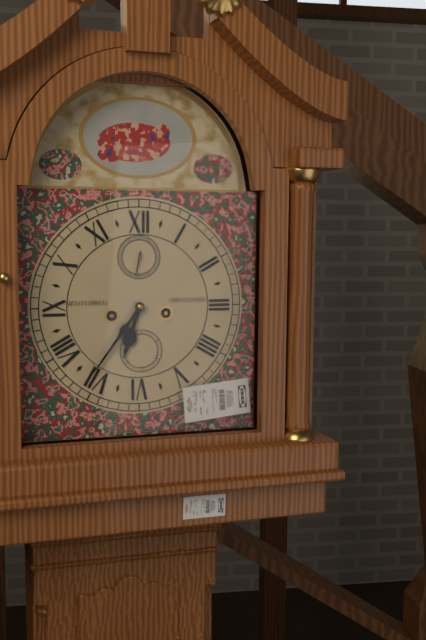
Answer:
6.36
